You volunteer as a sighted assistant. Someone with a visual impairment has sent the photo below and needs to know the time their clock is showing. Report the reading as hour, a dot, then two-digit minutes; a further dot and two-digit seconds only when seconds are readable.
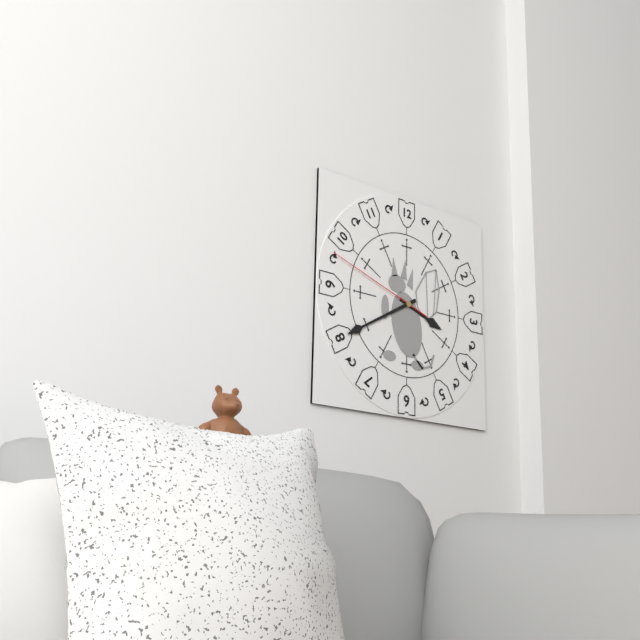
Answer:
3.40.48
